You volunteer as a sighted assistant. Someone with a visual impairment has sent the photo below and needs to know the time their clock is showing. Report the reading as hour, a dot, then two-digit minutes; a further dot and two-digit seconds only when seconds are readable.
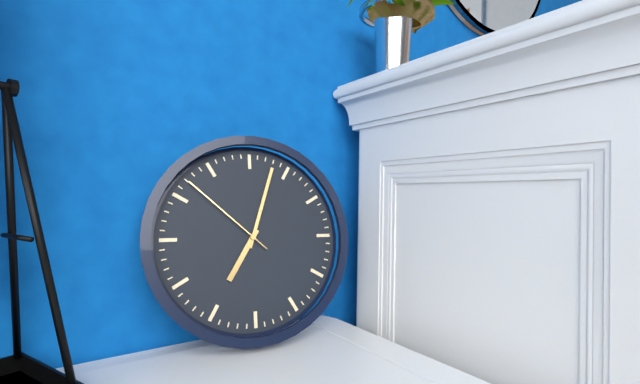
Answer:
7.03.52
